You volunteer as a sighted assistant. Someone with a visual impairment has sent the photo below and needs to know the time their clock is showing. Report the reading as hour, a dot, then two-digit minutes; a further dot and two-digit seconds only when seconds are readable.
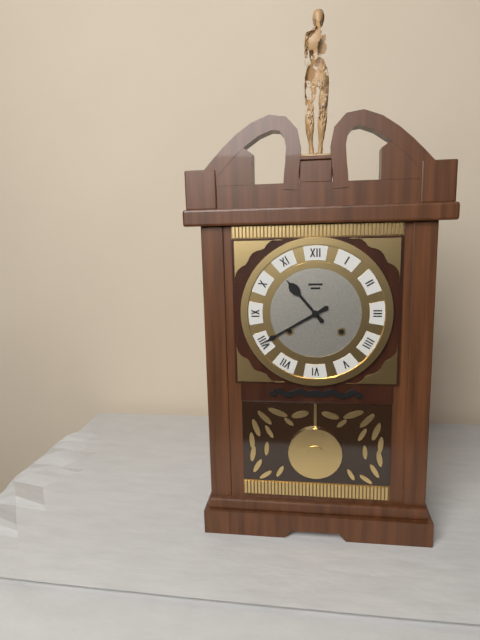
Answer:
10.40
